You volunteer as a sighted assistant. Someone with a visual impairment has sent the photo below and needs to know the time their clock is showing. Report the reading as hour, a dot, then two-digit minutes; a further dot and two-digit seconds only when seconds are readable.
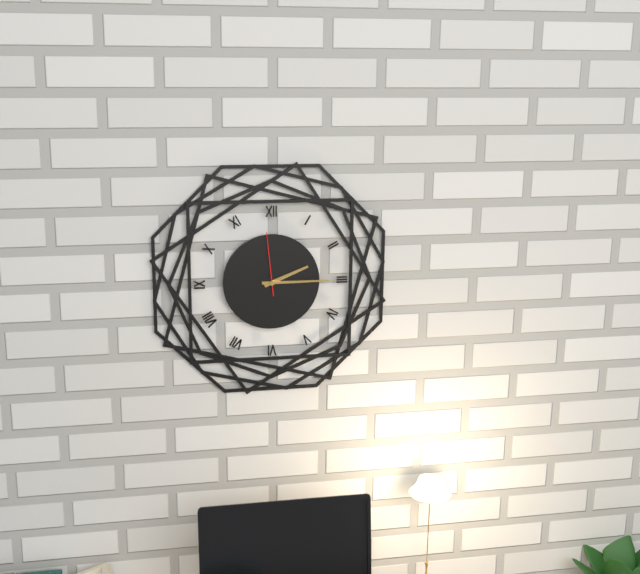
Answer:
2.15.59
